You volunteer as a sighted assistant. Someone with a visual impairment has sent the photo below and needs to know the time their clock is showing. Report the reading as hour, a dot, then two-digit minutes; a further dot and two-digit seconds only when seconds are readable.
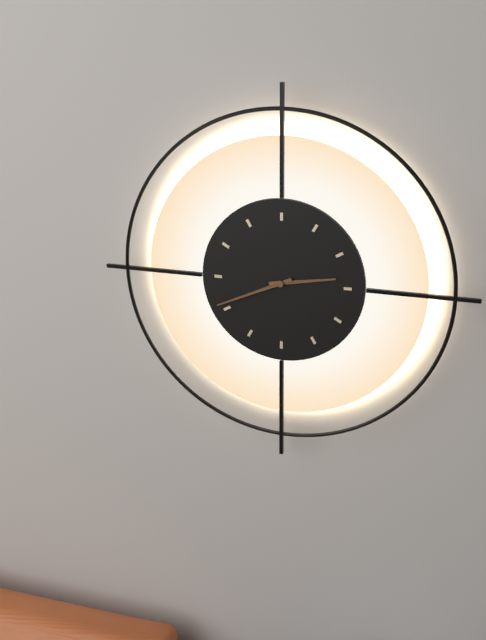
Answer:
2.41
